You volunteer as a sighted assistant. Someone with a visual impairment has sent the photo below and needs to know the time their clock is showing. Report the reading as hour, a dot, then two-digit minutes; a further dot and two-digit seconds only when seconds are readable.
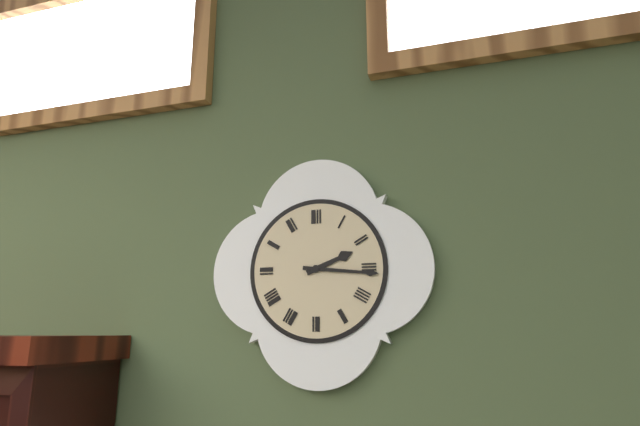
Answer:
2.16
